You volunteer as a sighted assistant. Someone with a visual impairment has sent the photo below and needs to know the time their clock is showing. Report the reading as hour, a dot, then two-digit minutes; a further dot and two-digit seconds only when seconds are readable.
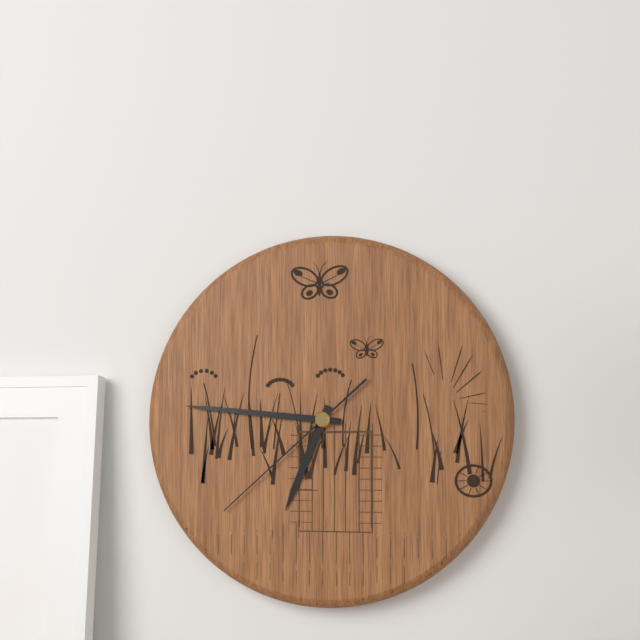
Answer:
6.46.38
